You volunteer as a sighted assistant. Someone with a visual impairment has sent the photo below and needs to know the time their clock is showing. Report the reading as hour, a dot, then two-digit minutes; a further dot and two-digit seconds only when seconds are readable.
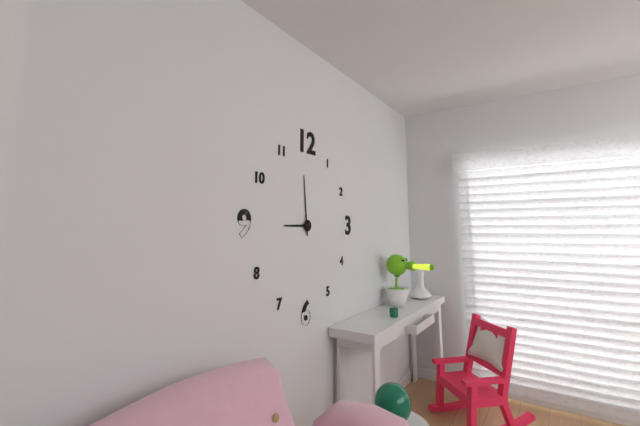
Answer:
8.59
